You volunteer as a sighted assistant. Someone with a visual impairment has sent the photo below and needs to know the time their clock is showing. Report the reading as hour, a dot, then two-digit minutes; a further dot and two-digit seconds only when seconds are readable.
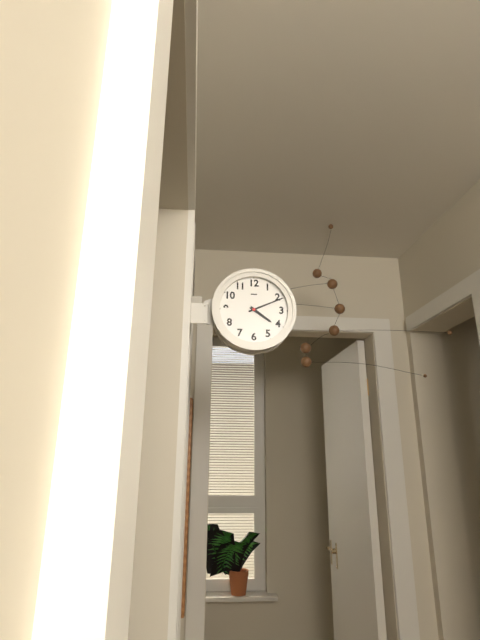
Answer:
4.11
